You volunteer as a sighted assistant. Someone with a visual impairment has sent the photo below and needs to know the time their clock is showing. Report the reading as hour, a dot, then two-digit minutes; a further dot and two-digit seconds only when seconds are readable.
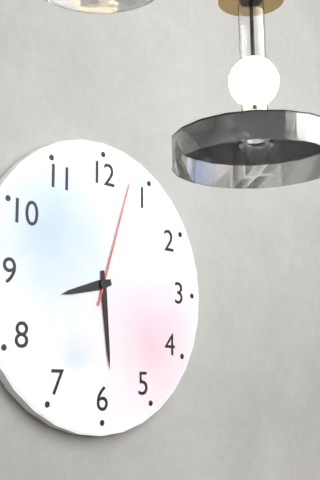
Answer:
8.29.03
